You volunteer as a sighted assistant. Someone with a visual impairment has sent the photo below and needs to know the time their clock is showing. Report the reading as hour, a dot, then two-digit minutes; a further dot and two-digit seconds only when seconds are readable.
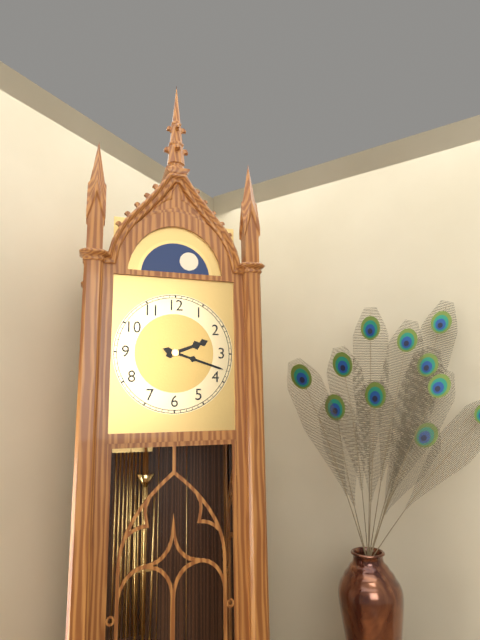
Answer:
2.18
